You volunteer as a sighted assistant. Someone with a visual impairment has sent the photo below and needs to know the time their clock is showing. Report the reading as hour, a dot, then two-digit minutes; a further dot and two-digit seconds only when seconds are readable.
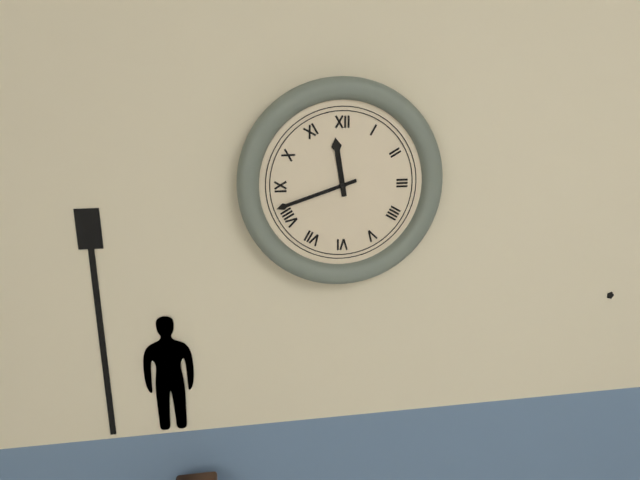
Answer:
11.42
